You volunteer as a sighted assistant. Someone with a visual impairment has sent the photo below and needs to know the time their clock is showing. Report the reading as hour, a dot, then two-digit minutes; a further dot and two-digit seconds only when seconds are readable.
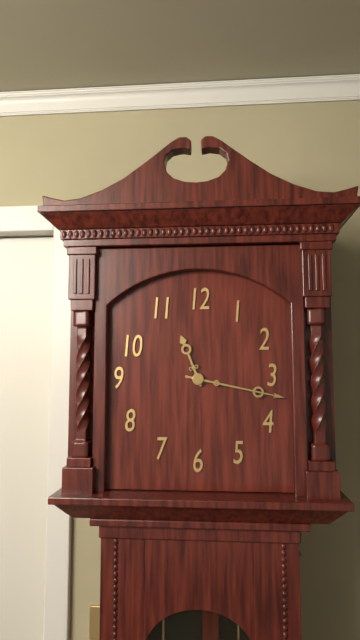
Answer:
11.17
